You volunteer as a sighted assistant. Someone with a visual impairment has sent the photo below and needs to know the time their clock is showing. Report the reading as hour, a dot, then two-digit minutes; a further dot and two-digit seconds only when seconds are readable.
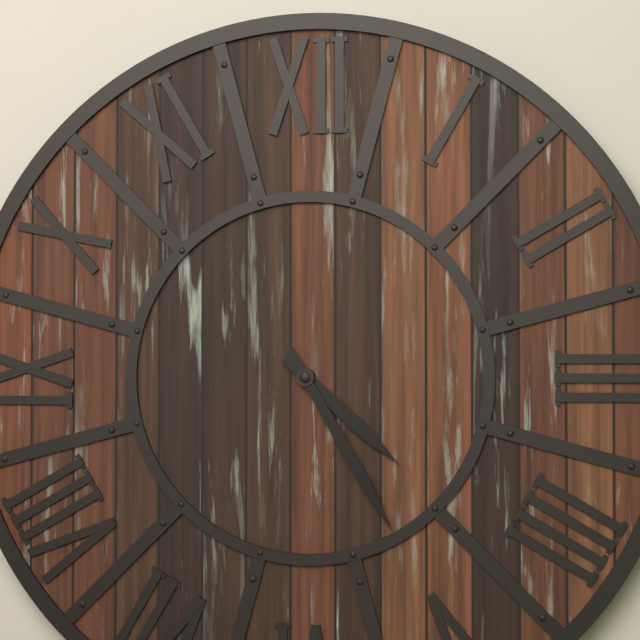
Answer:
4.25
